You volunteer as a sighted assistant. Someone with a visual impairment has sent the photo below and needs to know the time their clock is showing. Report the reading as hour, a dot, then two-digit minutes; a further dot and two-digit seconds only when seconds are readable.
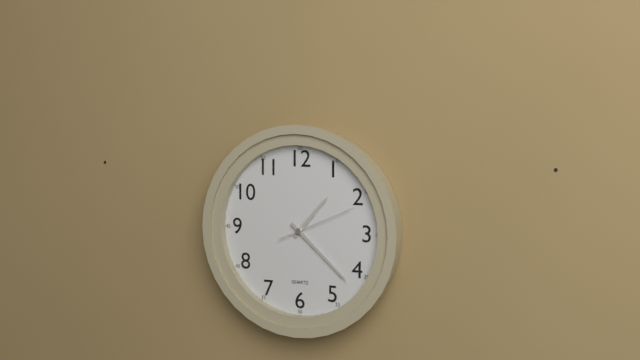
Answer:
1.22.11
